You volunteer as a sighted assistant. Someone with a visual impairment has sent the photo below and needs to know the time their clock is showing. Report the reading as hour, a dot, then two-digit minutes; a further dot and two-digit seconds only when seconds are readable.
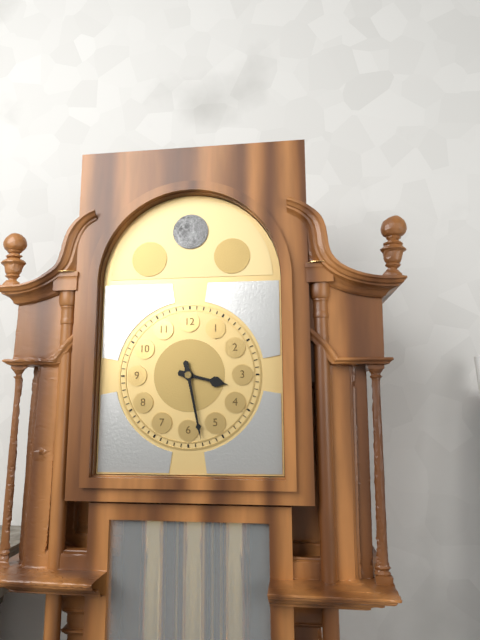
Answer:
3.28
